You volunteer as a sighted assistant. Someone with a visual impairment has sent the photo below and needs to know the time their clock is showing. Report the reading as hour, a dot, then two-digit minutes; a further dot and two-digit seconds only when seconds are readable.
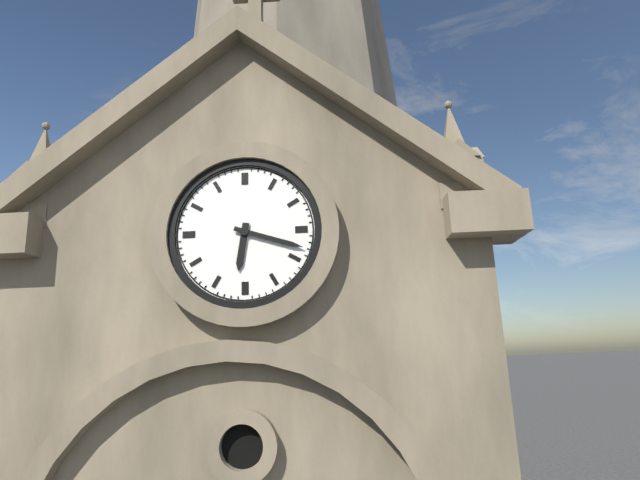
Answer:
6.18
